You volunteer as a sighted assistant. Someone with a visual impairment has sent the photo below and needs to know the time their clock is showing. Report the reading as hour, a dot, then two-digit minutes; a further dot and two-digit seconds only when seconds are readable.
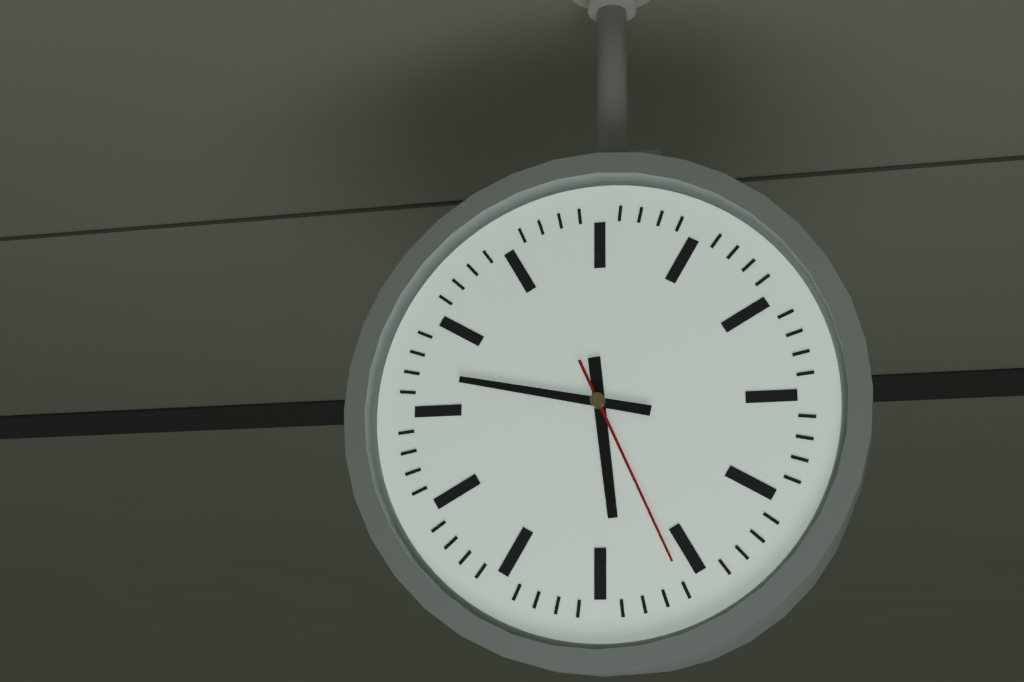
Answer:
5.47.26
